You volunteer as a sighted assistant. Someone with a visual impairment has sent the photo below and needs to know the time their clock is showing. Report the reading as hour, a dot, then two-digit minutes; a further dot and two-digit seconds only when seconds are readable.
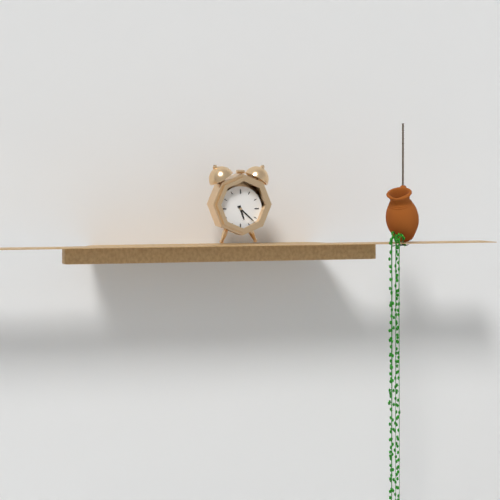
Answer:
5.22
